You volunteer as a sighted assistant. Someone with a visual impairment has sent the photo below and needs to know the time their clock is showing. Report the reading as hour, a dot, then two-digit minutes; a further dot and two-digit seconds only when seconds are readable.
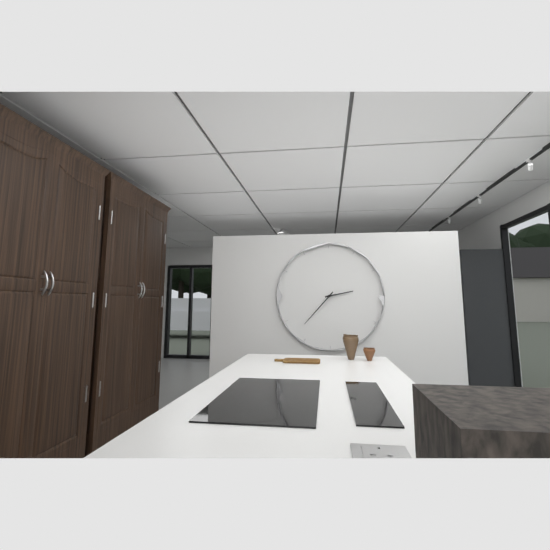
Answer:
2.37
